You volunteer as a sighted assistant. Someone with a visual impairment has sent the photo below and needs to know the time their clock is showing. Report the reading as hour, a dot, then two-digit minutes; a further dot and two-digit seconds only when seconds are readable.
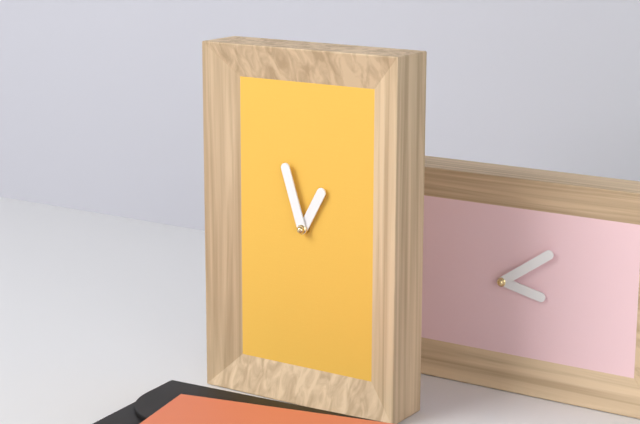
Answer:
12.57
